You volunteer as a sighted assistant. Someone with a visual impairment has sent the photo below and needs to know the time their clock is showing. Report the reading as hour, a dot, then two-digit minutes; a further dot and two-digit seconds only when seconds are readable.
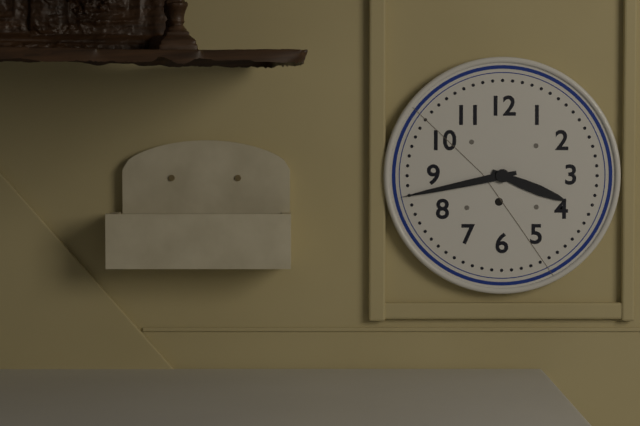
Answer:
3.43
